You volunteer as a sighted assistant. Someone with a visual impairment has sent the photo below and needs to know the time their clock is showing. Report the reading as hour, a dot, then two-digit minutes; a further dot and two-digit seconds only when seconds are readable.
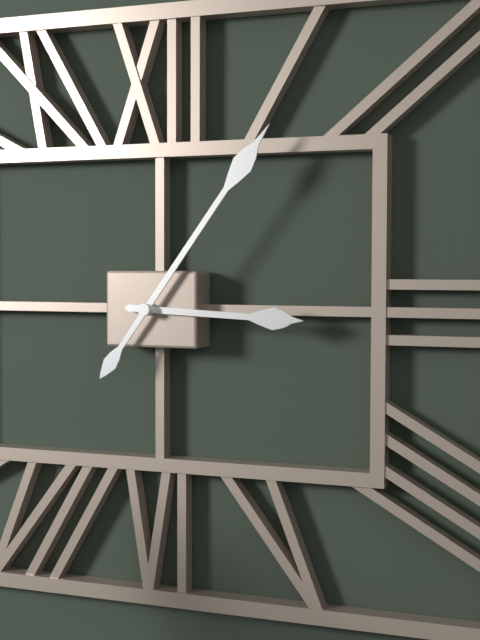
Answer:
3.06
